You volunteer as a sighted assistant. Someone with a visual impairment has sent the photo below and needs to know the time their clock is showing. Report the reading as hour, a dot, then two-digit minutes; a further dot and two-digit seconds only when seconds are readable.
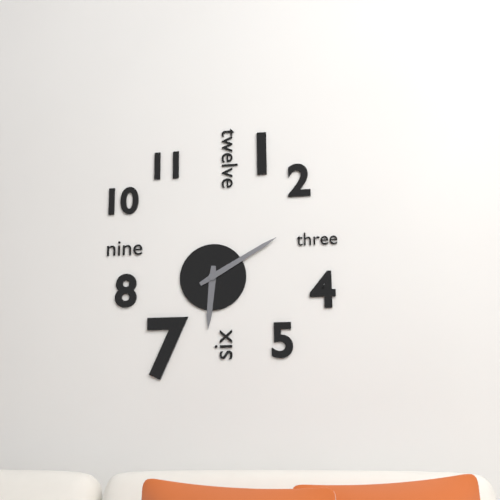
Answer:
6.10
